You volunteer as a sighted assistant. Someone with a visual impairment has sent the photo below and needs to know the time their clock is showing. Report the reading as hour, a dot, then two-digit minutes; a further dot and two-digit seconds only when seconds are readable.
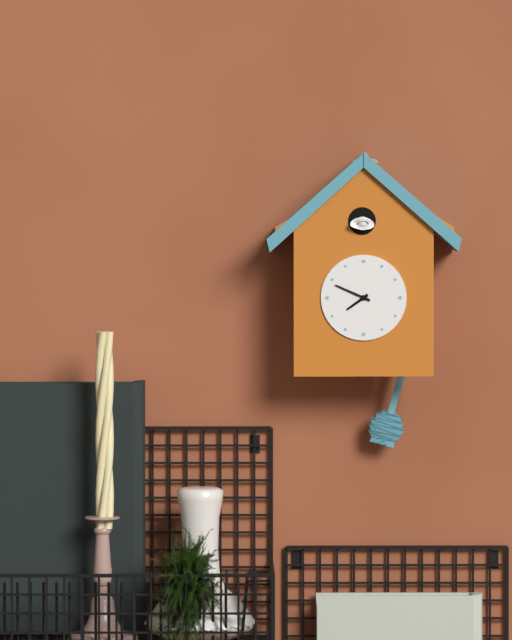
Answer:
7.49
